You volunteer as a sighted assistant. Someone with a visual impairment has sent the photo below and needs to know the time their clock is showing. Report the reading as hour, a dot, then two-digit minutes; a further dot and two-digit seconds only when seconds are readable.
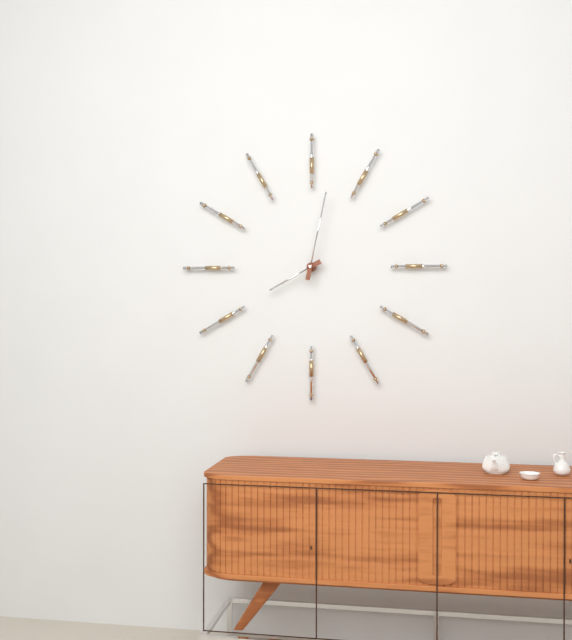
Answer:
8.02
